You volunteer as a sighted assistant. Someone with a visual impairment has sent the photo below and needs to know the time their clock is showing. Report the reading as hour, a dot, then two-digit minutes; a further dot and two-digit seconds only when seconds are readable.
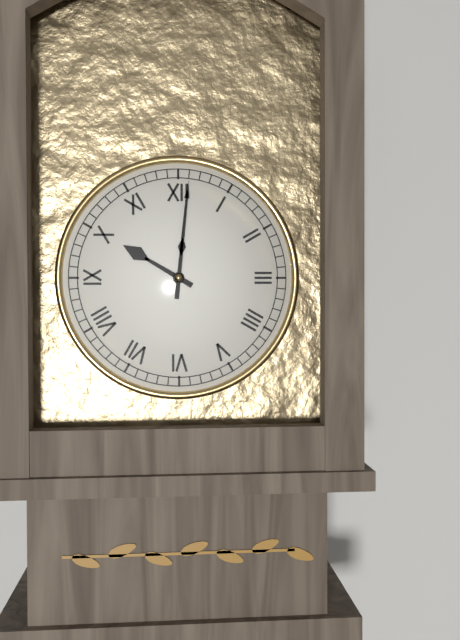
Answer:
10.01
